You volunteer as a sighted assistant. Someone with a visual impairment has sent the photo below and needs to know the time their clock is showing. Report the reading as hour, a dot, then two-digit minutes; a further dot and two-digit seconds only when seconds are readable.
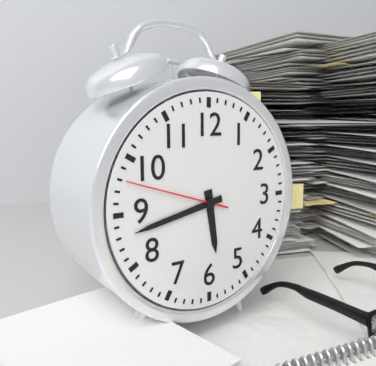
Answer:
5.43.48
